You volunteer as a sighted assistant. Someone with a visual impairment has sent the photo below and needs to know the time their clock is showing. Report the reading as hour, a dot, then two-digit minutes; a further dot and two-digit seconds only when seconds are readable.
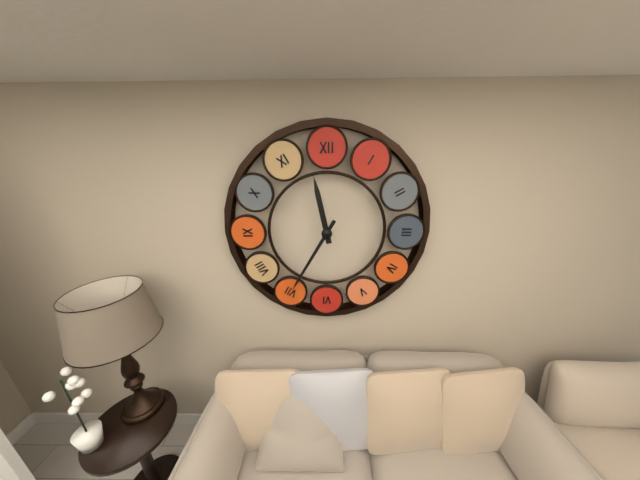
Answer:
11.35
